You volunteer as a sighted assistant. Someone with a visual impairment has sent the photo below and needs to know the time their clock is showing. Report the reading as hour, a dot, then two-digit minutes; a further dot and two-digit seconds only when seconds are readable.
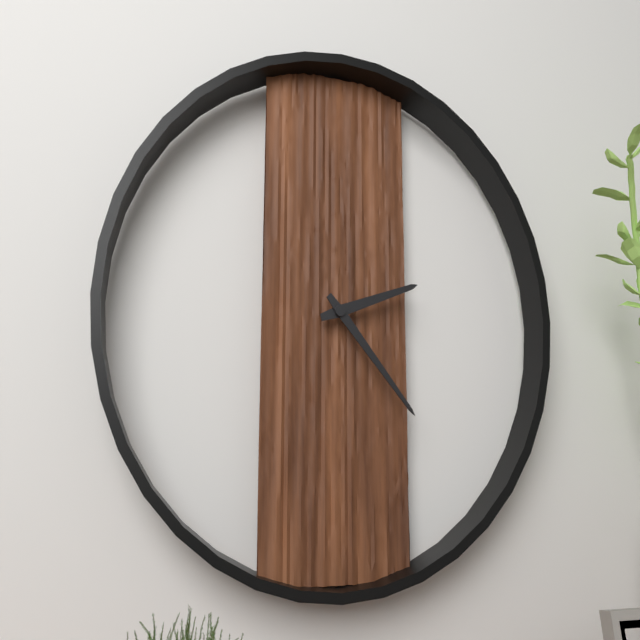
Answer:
2.23
